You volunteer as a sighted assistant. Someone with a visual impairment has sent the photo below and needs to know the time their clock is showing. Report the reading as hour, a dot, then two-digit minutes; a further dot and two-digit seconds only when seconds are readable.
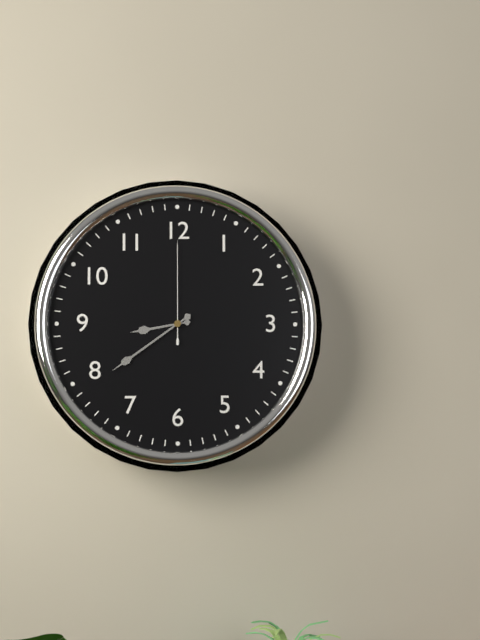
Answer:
8.39.00
